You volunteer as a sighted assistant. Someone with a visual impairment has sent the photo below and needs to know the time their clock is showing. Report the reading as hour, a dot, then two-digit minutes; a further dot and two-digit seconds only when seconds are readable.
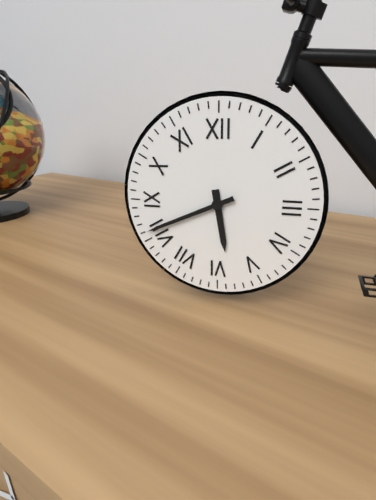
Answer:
5.41
